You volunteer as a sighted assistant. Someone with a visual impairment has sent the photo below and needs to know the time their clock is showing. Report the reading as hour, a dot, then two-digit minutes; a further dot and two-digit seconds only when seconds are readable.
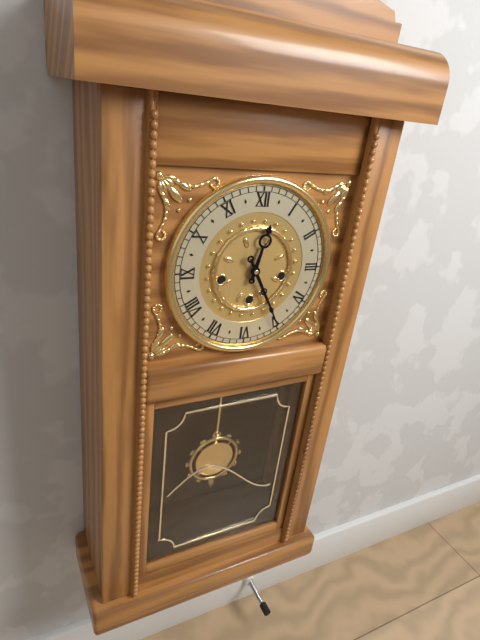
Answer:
12.25
